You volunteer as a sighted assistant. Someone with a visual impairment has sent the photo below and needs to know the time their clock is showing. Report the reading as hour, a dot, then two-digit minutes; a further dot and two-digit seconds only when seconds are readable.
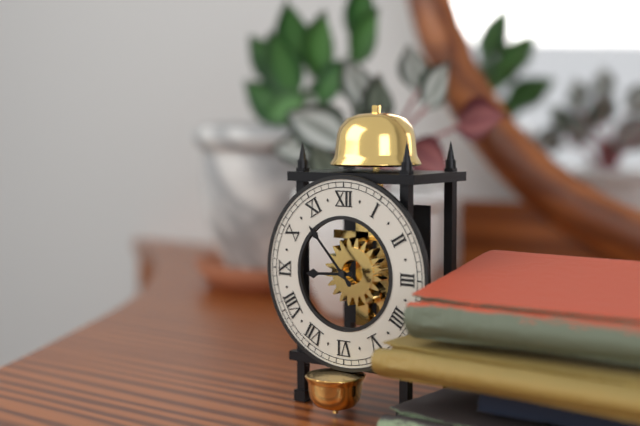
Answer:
8.53
